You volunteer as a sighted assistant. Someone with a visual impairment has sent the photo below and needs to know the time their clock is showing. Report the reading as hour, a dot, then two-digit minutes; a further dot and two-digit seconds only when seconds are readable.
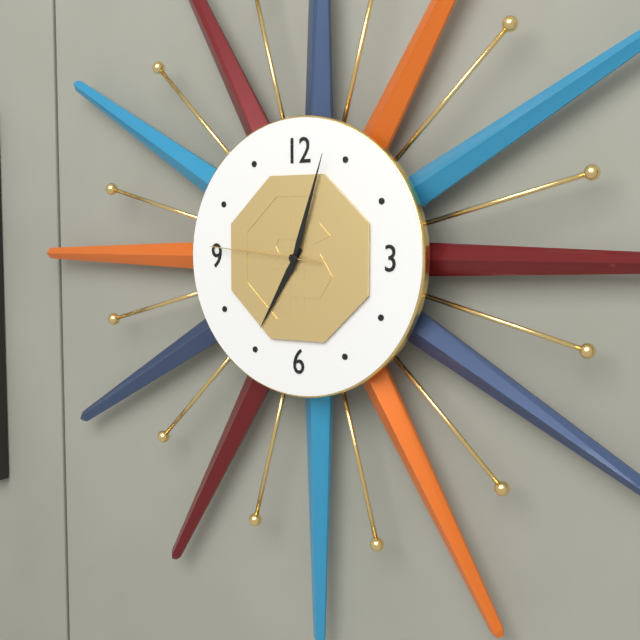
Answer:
7.03.46
